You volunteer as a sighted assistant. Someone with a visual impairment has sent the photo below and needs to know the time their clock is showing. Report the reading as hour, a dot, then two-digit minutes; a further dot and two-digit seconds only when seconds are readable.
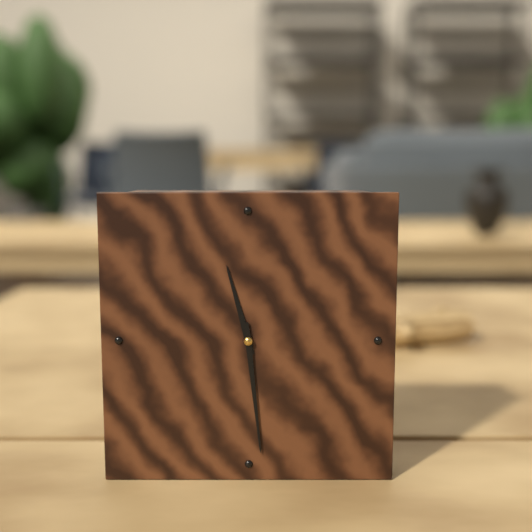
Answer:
11.29
